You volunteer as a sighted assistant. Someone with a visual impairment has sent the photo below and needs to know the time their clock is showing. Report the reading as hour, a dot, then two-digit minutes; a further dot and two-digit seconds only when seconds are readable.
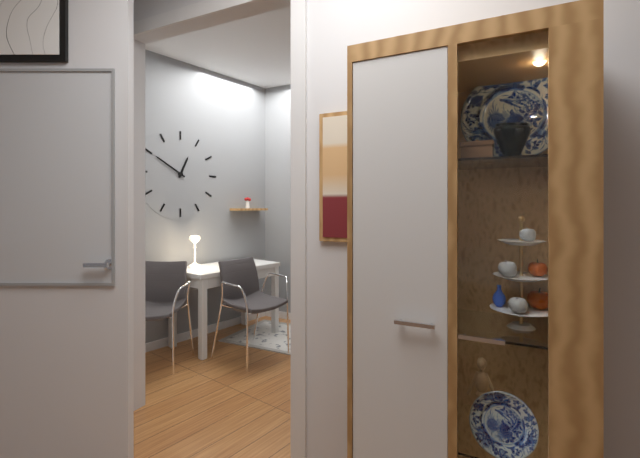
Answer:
12.50
